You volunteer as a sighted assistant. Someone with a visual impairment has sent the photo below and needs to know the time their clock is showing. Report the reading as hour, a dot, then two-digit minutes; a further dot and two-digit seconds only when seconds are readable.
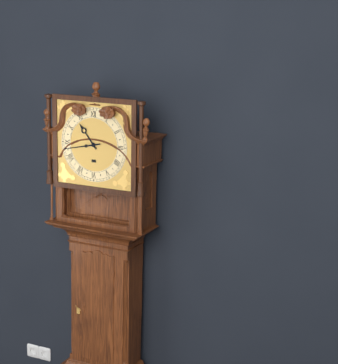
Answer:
10.43
